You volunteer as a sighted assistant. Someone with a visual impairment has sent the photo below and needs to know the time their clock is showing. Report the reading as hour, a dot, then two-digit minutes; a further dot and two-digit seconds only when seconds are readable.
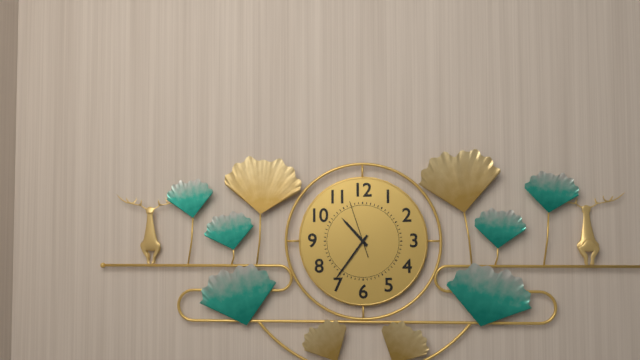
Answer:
10.36.57
